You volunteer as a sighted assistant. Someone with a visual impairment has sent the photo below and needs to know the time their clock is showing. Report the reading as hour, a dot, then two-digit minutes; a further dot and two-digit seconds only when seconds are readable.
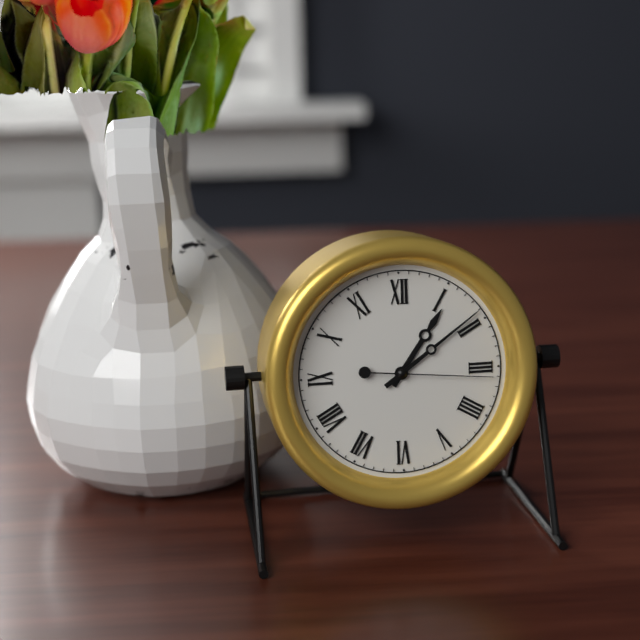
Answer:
1.09.16
